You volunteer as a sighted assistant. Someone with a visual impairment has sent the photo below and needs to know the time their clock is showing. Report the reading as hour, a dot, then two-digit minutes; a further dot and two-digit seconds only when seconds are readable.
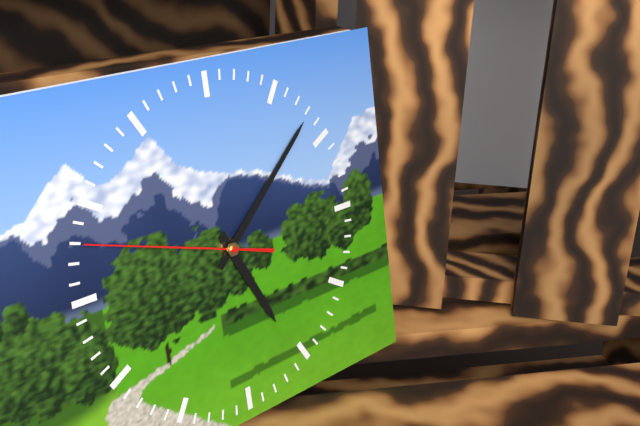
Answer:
5.08.48
